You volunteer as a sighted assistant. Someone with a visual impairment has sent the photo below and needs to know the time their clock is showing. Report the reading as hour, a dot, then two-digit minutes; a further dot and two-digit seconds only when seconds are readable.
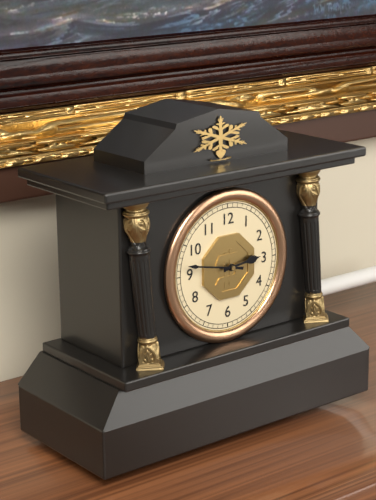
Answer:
2.47
